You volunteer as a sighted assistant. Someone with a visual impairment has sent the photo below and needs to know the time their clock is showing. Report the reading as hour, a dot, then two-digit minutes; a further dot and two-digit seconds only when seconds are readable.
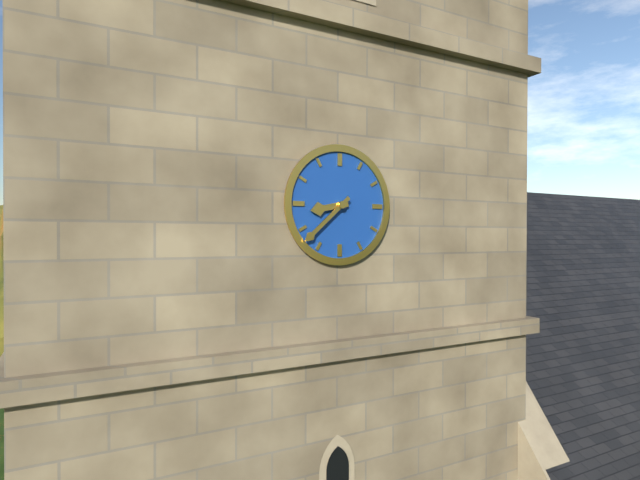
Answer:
8.38
